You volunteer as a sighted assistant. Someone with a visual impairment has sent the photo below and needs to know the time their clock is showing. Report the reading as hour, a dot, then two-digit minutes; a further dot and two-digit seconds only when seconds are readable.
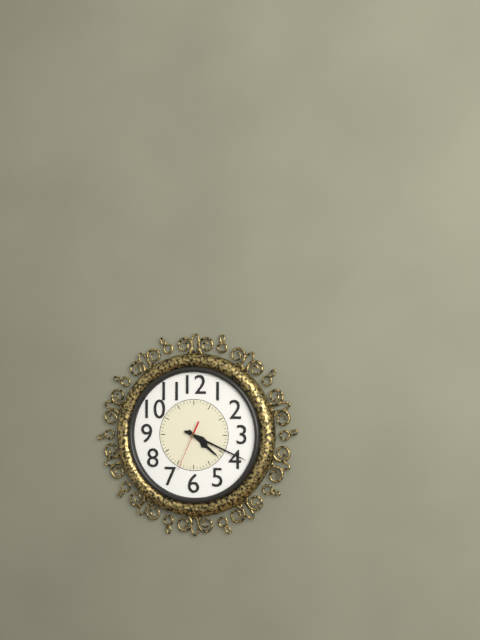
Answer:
4.19
